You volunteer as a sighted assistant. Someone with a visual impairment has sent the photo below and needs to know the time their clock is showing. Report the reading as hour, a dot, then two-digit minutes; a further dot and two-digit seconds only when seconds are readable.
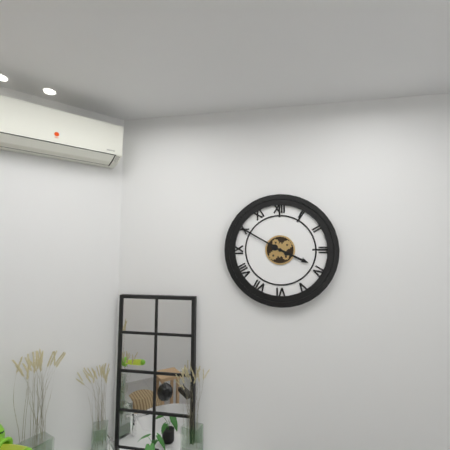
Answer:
3.50
